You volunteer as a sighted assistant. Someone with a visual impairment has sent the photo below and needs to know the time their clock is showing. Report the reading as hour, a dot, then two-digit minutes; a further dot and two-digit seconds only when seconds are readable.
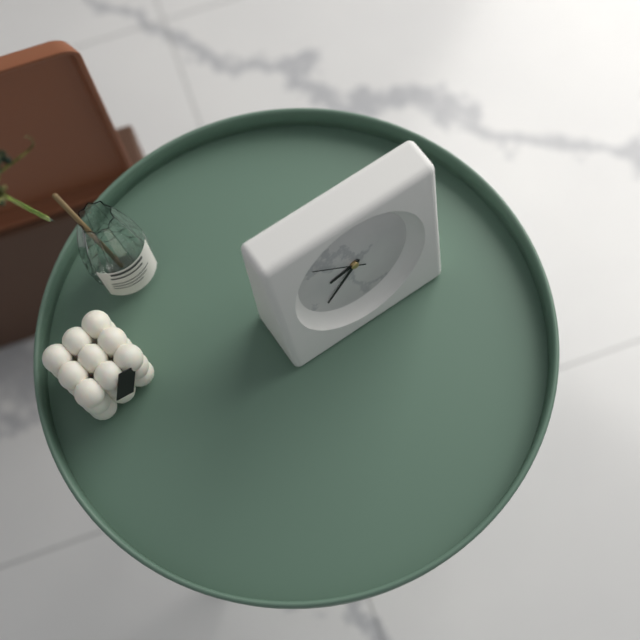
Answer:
8.38.51
